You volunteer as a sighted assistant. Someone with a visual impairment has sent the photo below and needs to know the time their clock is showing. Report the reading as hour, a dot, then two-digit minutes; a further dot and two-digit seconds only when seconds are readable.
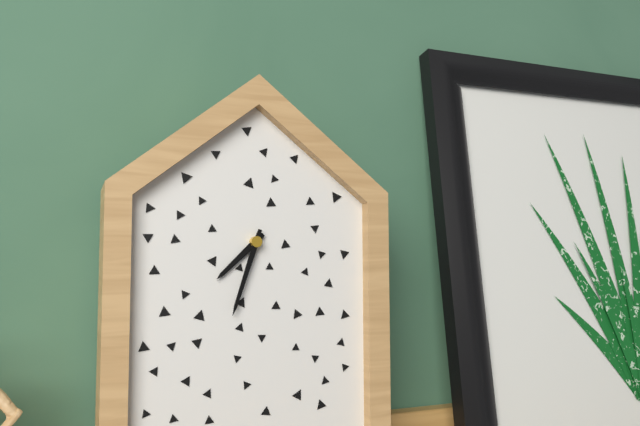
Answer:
7.33
